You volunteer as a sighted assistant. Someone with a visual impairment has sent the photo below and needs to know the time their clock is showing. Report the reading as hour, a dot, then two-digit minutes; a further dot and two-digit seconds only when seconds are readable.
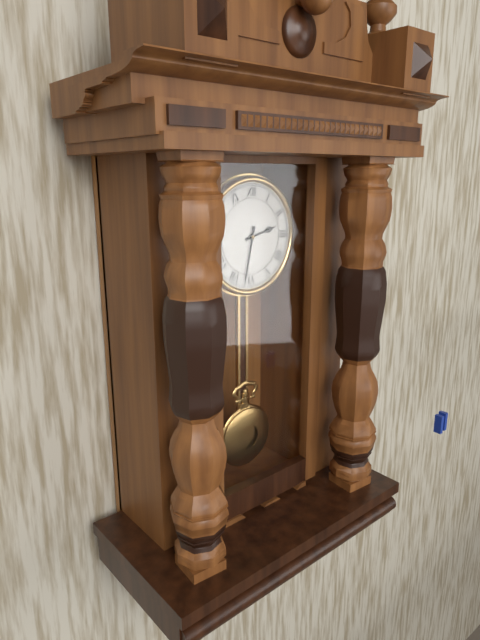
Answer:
2.32
